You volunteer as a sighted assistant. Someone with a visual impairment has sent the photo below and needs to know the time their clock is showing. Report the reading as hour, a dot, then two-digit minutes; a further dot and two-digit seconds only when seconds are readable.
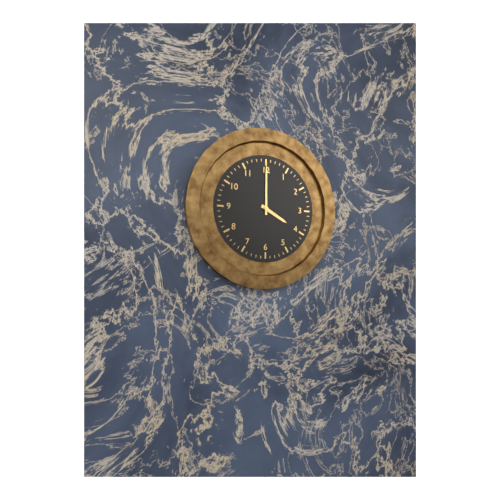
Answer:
4.00
